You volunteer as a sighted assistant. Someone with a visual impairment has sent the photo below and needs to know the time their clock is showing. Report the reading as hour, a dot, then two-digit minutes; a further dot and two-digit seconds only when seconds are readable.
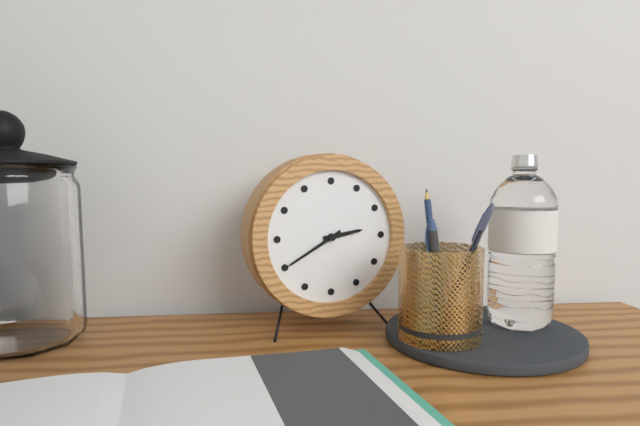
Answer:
2.40
